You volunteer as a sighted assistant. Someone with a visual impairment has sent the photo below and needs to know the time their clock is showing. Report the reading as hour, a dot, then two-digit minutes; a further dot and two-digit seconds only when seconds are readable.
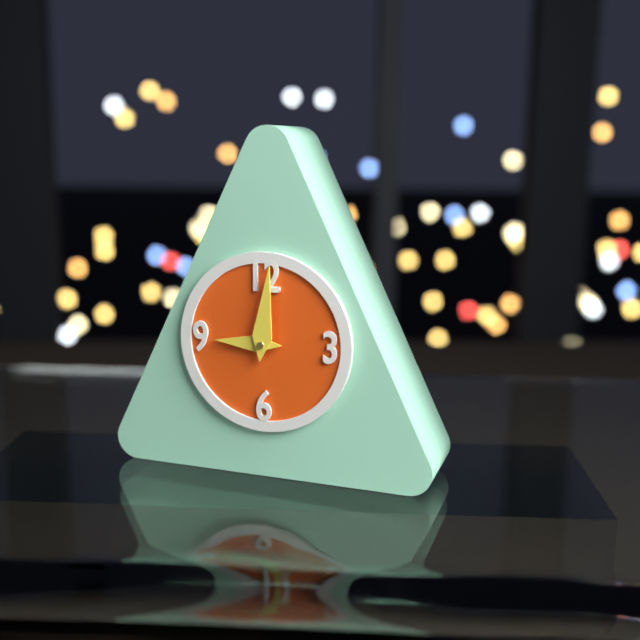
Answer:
9.01
